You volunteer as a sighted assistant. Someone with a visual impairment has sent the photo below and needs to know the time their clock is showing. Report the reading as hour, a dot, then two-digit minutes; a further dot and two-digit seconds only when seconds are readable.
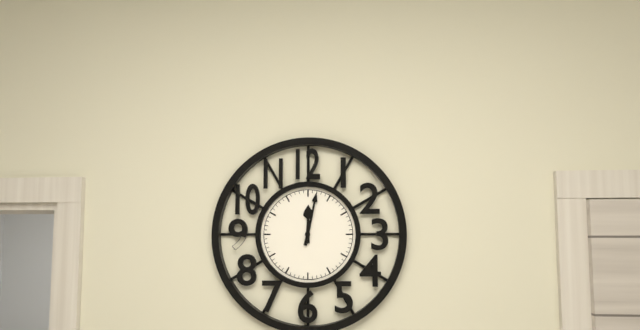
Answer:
12.02
